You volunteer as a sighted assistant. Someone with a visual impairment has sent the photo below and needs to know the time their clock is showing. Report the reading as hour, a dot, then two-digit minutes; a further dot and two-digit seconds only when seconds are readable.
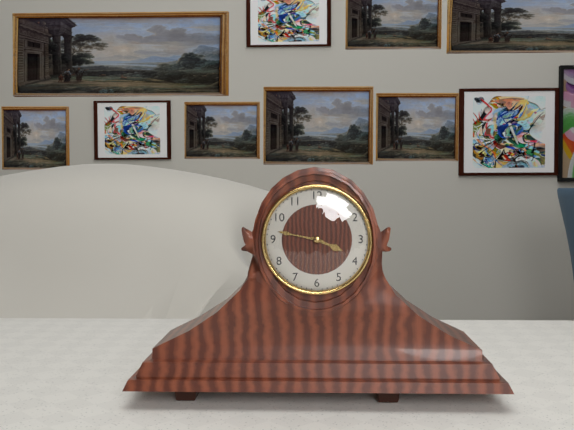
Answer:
3.47
